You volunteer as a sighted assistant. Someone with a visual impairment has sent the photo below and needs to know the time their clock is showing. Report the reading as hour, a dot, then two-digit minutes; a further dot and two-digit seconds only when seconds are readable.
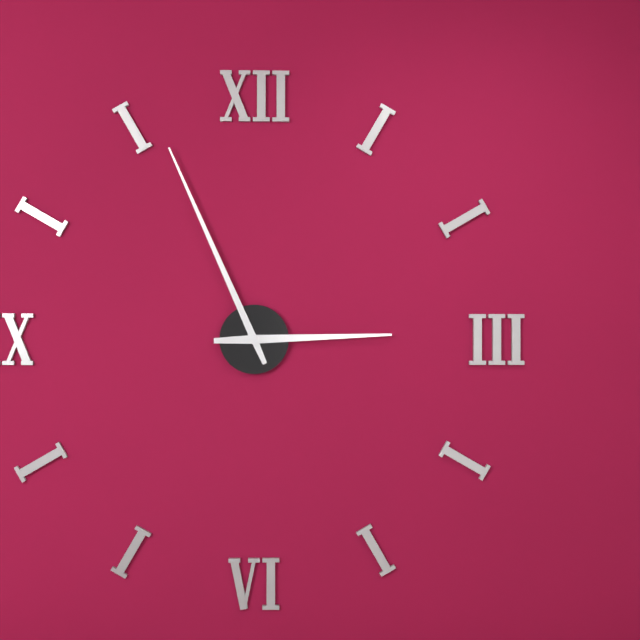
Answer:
2.56
